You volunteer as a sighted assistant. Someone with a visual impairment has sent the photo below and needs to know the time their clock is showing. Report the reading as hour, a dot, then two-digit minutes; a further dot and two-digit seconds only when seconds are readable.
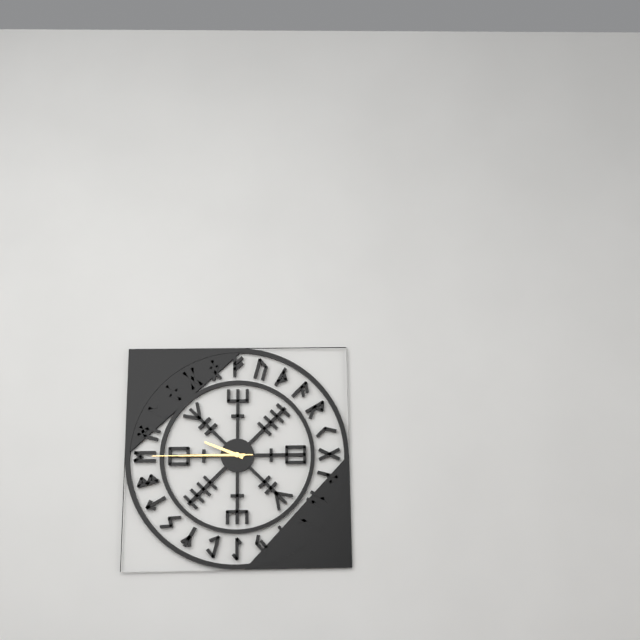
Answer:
9.45.45
